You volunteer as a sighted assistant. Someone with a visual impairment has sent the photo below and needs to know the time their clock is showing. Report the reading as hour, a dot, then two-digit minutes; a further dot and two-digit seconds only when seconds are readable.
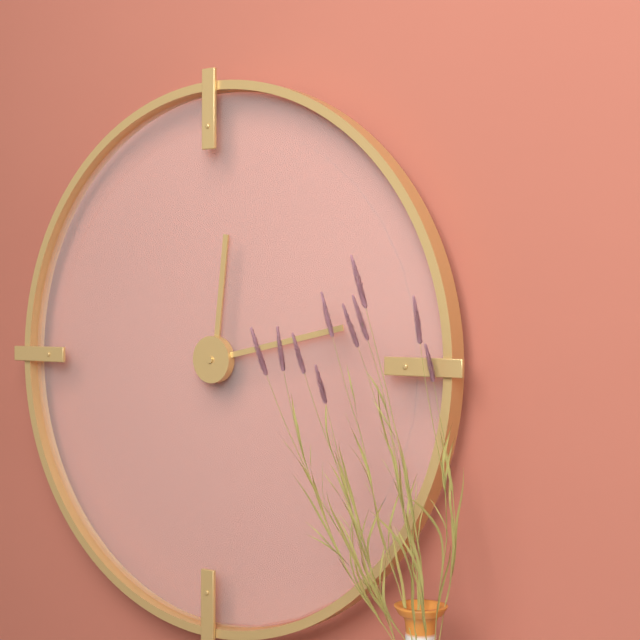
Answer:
12.13
